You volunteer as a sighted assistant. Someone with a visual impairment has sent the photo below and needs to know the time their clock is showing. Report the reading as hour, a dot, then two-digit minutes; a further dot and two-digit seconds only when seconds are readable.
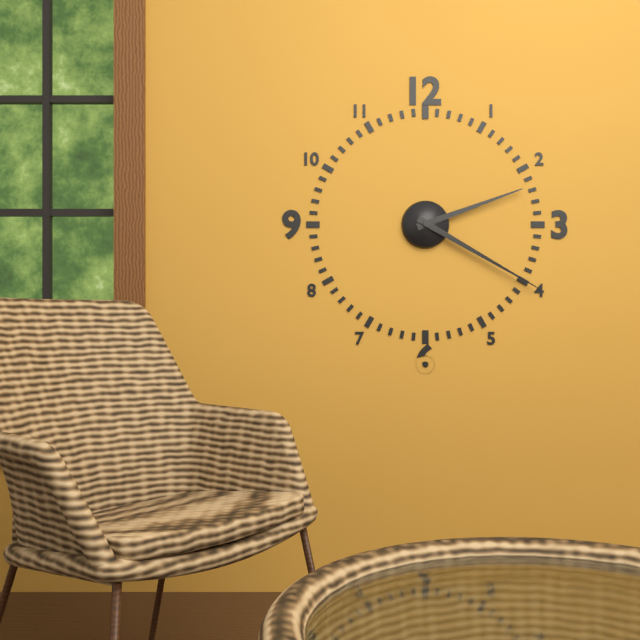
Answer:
2.20
